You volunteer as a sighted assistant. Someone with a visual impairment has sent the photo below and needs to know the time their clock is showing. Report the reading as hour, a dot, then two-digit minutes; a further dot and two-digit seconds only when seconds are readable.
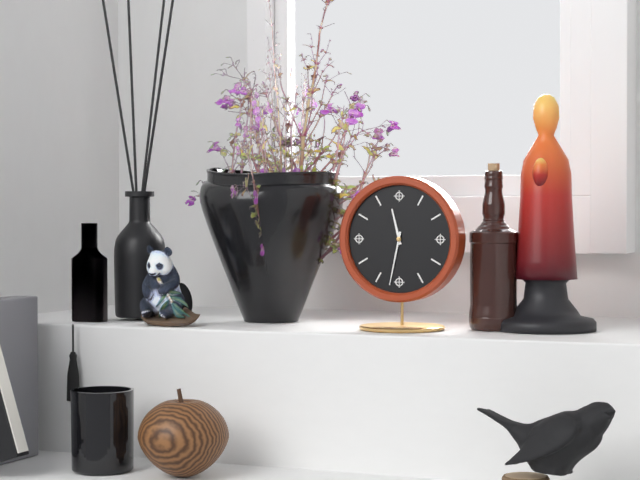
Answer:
11.32
